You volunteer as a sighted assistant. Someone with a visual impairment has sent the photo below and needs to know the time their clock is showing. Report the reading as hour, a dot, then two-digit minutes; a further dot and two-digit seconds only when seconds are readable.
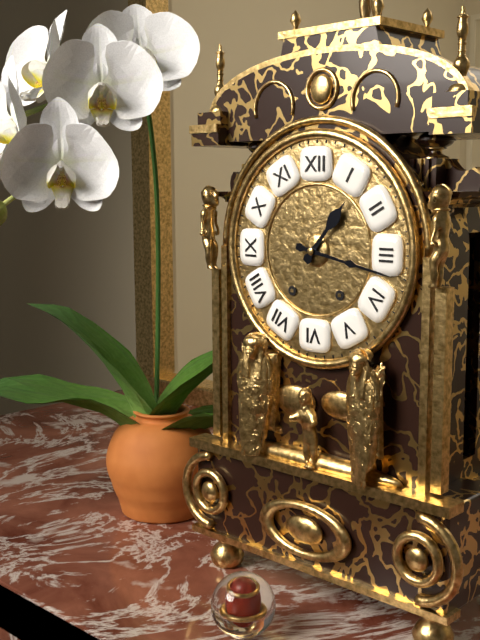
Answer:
1.17
